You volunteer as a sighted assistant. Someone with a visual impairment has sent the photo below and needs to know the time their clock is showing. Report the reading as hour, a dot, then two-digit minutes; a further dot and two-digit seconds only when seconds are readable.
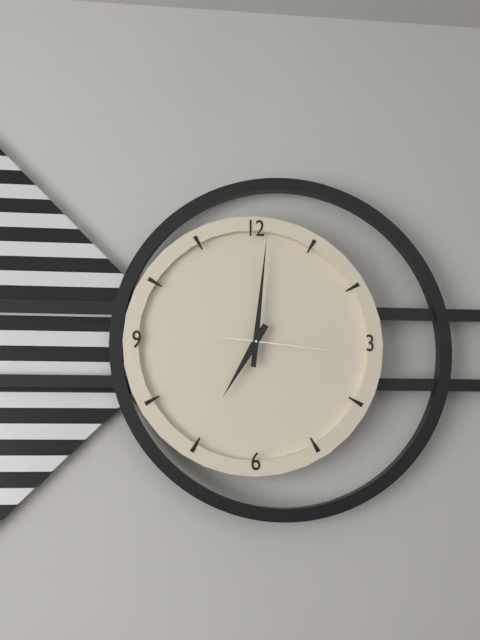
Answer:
7.01.16
